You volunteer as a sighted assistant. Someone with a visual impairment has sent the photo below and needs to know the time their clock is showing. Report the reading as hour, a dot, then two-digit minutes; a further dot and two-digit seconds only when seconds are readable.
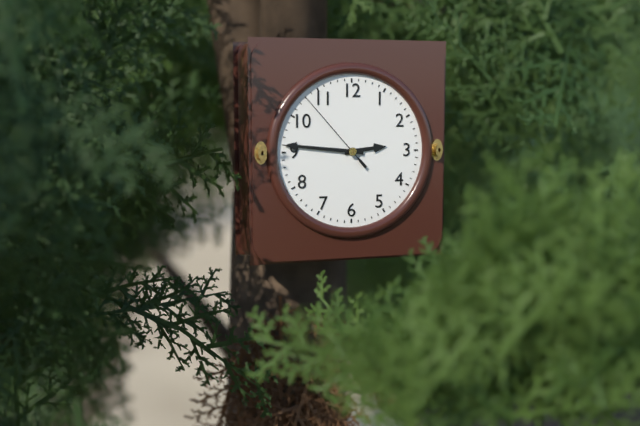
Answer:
2.46.53
